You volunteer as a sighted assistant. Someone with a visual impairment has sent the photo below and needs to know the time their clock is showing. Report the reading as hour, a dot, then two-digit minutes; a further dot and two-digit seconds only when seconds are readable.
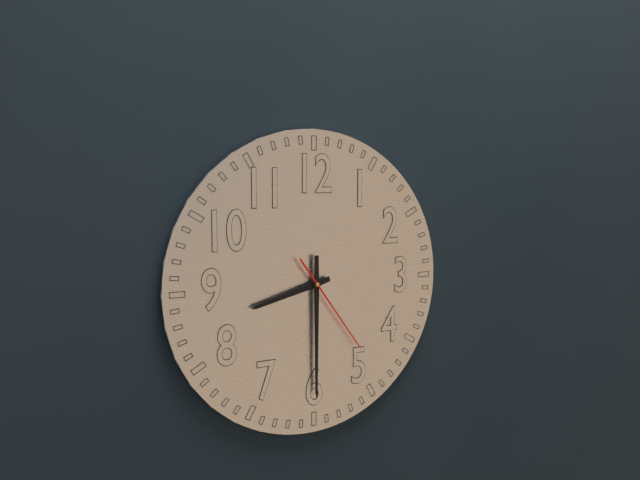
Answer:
8.30.24
